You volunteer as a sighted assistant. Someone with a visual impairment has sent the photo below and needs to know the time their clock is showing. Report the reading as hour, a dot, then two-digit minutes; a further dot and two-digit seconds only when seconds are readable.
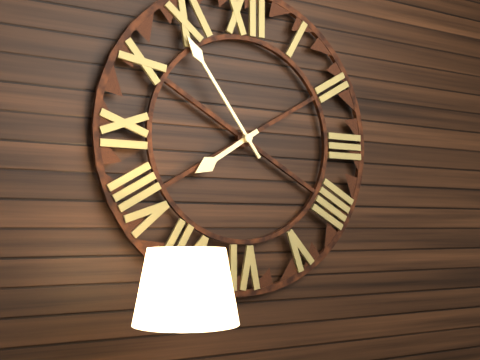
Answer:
7.54
